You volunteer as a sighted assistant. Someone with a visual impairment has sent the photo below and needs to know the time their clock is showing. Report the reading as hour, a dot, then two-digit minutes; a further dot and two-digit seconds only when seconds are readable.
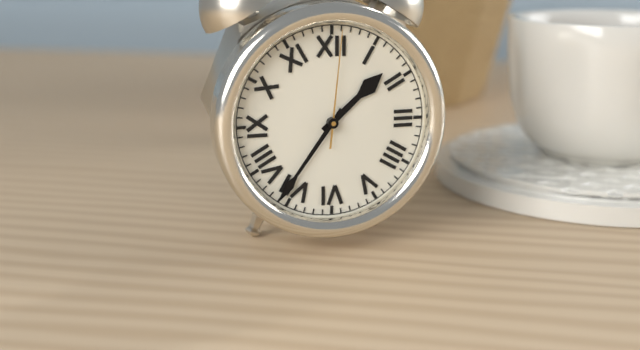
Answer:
1.36.01
